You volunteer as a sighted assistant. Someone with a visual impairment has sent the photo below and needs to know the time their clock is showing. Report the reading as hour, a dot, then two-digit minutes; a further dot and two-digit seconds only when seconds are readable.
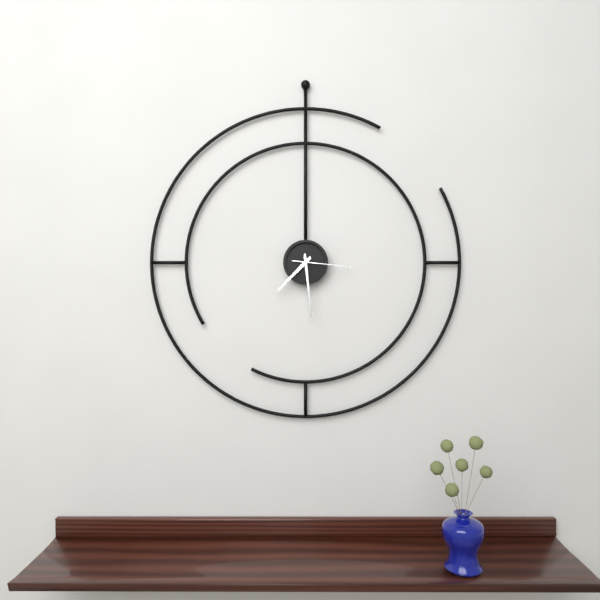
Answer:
7.29.16
